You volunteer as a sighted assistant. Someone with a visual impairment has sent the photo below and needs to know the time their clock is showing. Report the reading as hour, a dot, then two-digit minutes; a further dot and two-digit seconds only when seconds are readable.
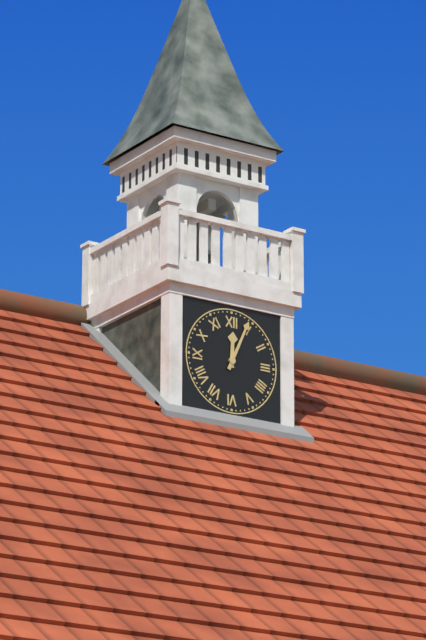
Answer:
12.04
